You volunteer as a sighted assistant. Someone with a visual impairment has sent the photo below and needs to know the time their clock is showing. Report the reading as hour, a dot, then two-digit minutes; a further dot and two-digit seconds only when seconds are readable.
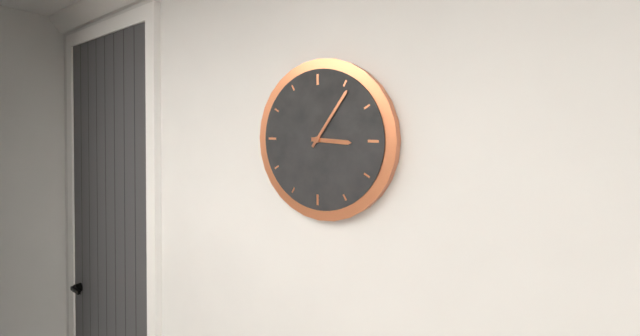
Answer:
3.06
